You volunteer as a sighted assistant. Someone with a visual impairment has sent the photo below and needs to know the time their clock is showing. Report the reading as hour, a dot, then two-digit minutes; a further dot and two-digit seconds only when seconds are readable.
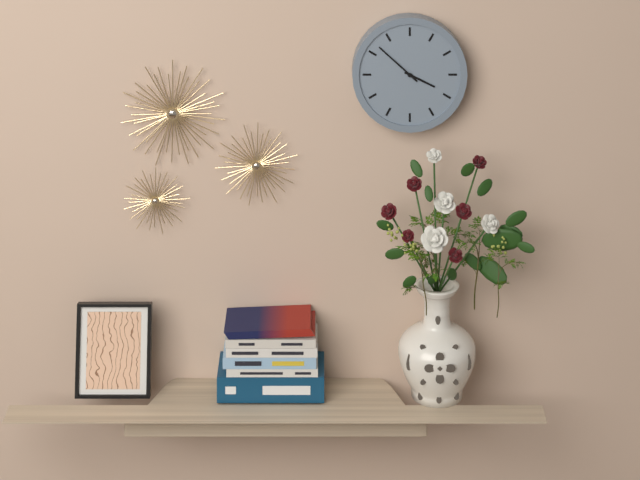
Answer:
3.52
